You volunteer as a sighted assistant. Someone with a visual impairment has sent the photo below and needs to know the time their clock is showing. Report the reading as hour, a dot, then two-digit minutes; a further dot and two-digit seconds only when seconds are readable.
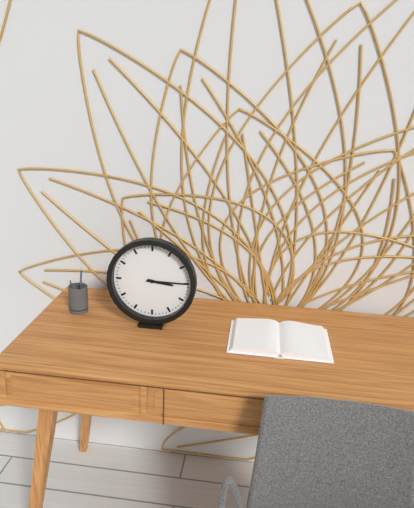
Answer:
3.15
